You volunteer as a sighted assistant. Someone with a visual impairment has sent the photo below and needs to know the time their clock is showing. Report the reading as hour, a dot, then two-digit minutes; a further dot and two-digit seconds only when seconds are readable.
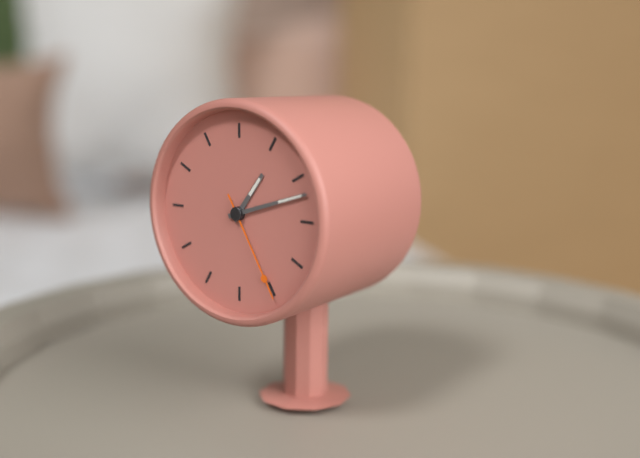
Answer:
1.12.25
